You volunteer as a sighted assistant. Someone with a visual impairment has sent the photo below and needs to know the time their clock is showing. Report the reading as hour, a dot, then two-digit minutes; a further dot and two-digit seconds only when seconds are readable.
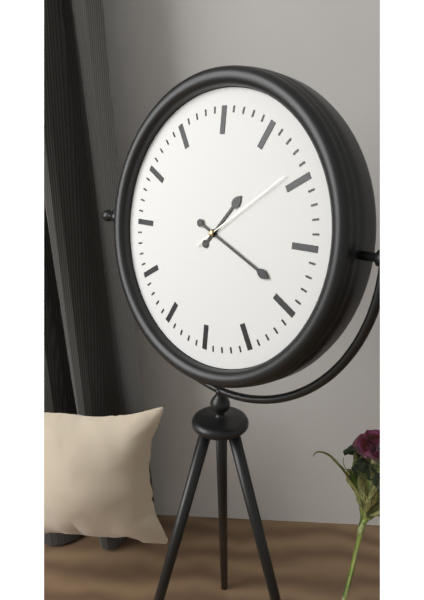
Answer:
1.19.09
